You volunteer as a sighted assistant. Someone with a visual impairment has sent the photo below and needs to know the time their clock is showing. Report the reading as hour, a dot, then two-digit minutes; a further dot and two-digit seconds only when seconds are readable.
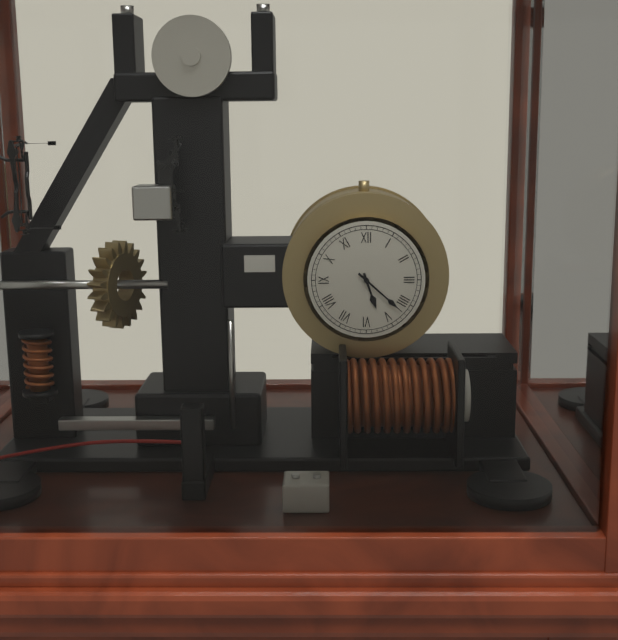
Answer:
5.22
